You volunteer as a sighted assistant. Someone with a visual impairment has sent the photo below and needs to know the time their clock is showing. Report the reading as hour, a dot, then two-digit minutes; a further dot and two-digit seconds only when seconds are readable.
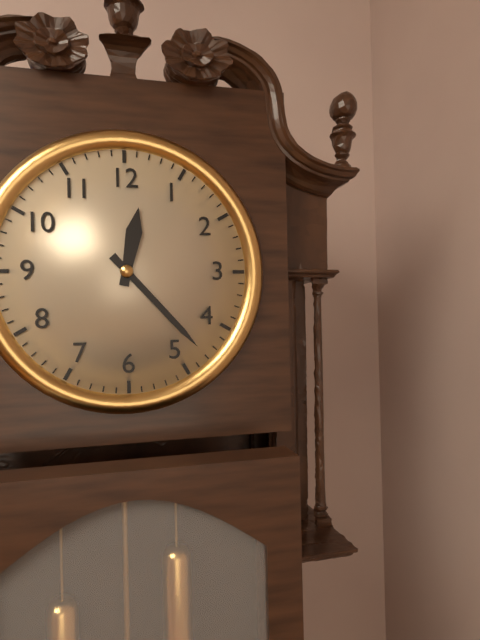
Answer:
12.23
